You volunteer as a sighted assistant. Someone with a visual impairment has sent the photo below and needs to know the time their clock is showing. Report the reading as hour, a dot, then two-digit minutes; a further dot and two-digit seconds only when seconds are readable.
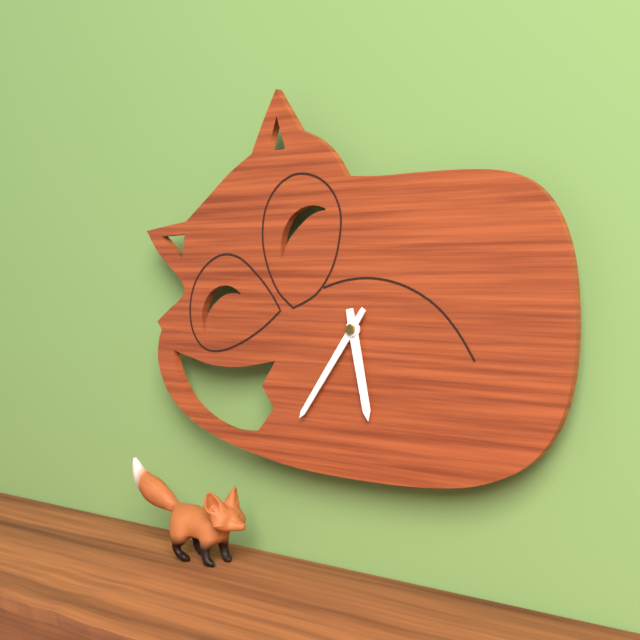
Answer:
5.36
